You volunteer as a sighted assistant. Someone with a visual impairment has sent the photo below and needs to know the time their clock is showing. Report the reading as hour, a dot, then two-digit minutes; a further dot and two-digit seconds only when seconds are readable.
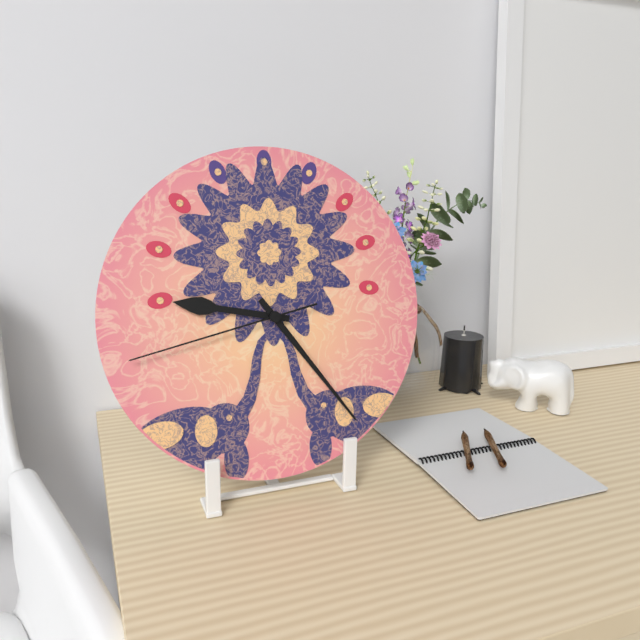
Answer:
9.24.43
